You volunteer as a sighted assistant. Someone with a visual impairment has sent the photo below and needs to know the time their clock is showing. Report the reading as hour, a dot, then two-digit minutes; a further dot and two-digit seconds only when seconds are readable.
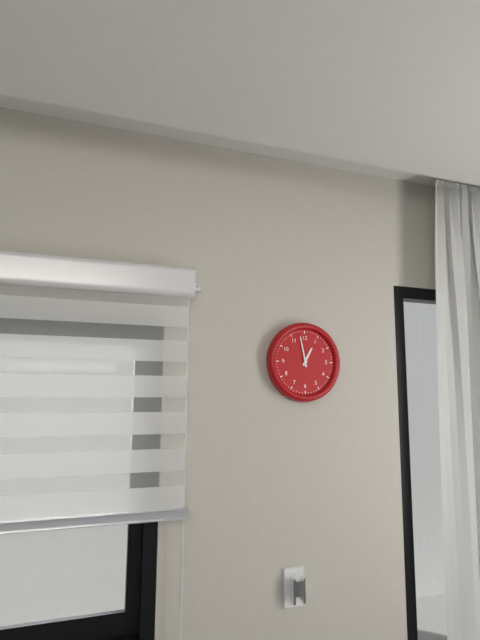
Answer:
12.58
